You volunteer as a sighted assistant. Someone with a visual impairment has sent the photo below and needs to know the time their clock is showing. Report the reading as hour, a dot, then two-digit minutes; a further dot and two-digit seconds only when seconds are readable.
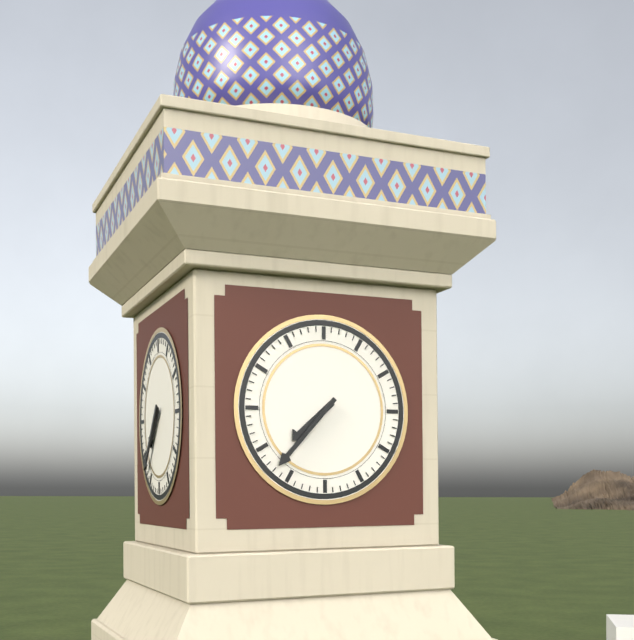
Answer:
7.37
